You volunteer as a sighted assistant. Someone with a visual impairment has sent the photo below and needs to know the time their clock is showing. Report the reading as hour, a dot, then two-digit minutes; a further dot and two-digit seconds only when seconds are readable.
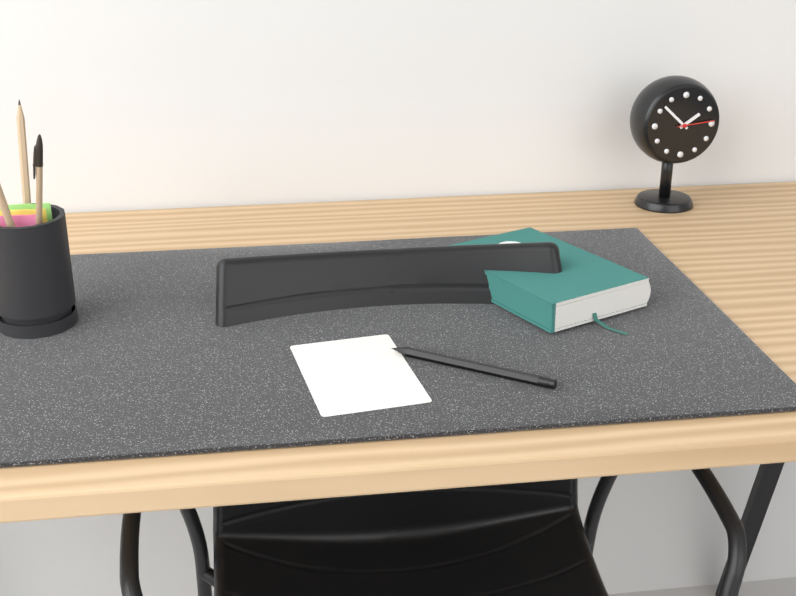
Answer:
1.52
